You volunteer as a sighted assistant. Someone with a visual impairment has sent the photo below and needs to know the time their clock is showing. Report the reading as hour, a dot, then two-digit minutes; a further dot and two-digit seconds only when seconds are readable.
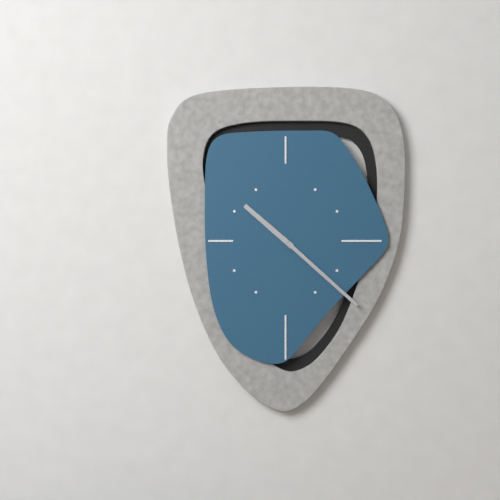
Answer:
10.22
